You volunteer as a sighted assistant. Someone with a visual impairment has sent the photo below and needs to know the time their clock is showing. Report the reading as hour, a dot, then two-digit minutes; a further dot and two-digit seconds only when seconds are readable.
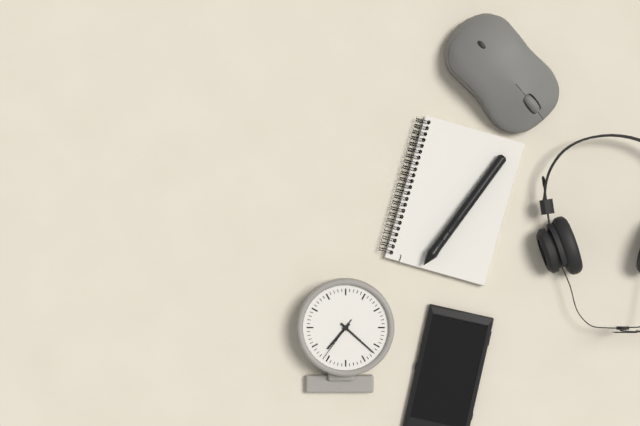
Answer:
7.22
